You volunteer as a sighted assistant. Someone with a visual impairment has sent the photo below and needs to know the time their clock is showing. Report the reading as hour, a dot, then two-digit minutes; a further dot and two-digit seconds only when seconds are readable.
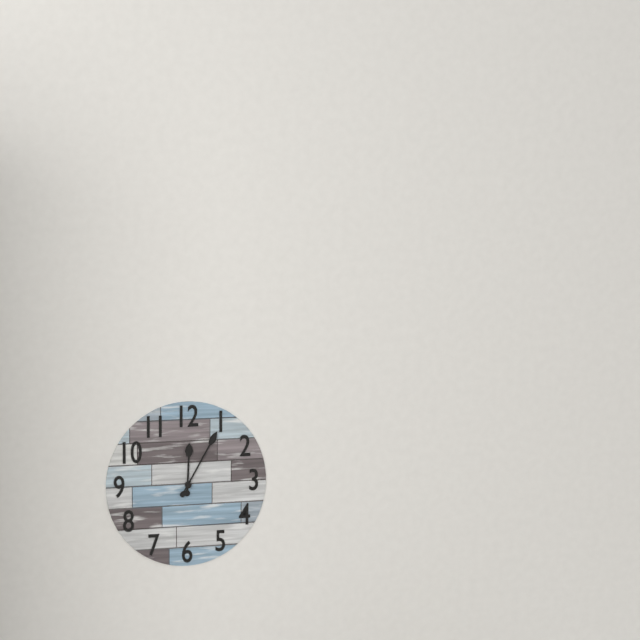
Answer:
12.05
